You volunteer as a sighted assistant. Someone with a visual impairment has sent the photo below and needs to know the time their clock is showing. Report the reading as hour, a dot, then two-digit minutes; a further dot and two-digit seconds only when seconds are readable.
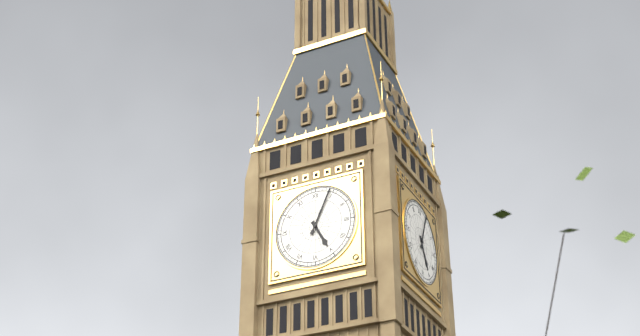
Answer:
5.04
